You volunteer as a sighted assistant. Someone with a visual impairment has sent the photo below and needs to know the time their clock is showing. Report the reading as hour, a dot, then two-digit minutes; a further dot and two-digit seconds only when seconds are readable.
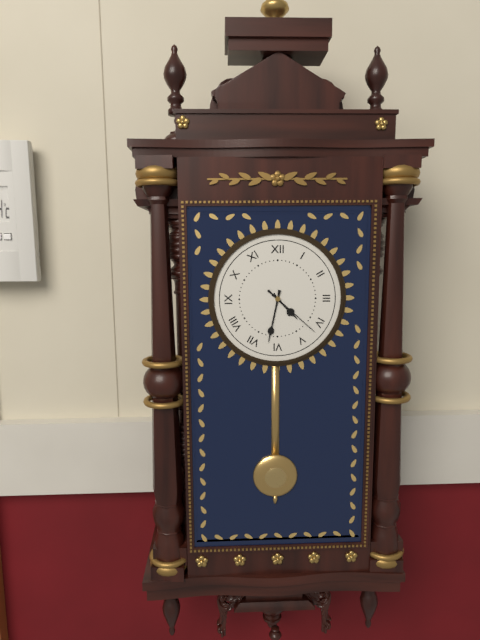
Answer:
4.32.22
